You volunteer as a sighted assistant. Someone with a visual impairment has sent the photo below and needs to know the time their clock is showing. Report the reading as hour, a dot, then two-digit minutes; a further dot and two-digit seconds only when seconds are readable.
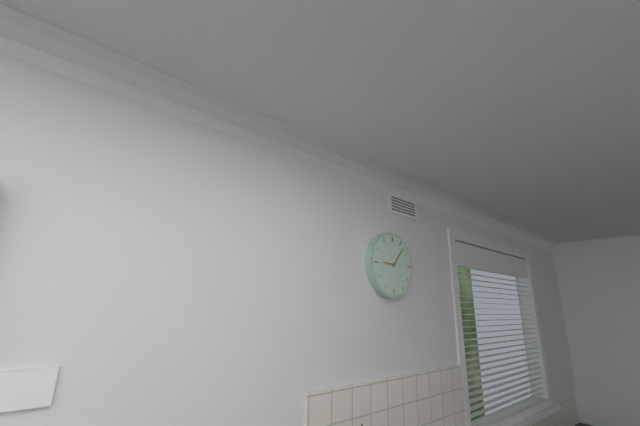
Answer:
9.07
